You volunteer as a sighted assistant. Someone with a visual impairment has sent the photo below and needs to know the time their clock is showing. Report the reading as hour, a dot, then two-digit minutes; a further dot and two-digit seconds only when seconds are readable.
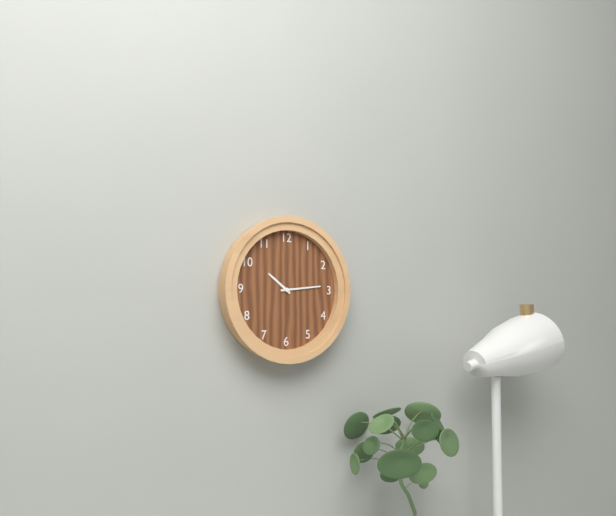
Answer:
10.14
